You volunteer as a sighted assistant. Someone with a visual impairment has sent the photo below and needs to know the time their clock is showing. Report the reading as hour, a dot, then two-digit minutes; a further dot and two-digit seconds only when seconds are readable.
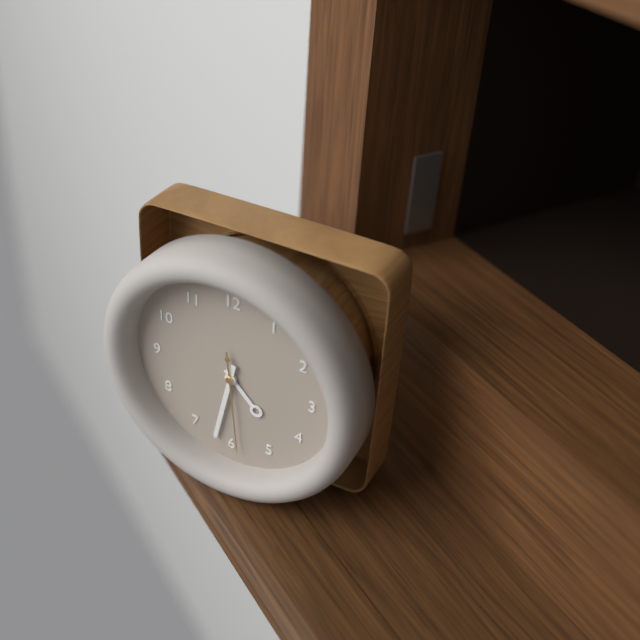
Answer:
4.32.29
